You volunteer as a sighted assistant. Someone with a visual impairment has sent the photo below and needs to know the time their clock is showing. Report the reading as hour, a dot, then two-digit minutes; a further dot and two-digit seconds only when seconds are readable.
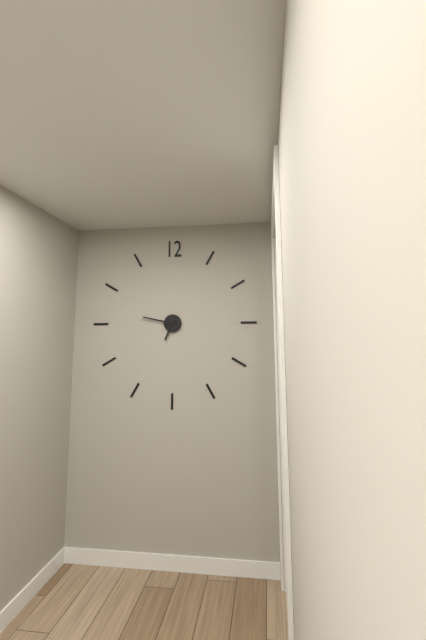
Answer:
6.47
